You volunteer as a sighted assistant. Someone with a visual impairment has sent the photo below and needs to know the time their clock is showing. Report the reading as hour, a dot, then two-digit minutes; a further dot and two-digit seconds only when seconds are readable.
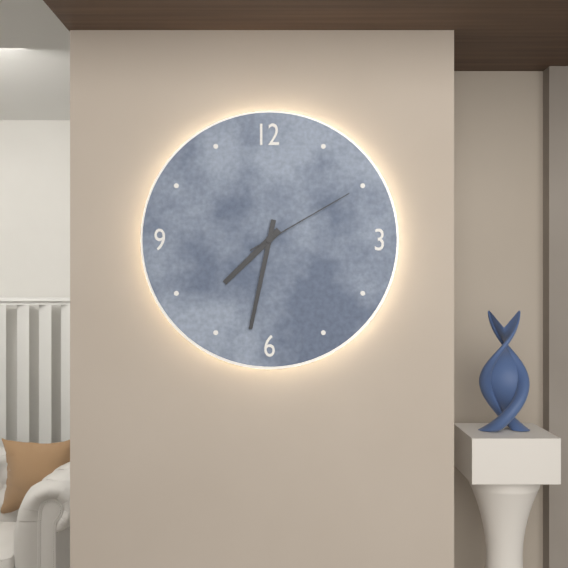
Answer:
7.32.10
